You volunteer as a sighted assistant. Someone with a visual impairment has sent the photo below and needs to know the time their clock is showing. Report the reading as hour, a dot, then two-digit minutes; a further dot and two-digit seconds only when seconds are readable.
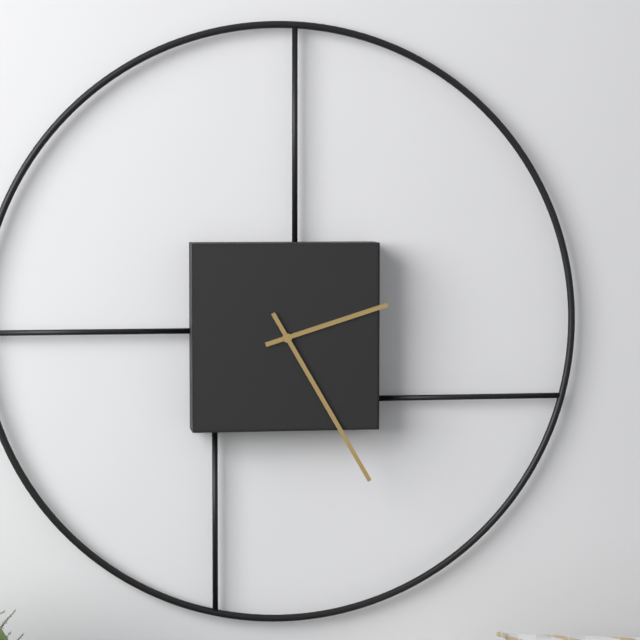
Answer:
2.25
